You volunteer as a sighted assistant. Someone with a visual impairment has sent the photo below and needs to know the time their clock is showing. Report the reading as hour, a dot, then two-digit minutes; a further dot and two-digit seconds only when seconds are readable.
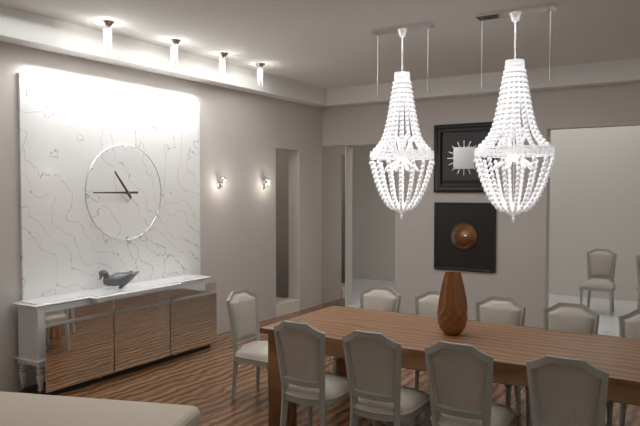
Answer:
10.45
